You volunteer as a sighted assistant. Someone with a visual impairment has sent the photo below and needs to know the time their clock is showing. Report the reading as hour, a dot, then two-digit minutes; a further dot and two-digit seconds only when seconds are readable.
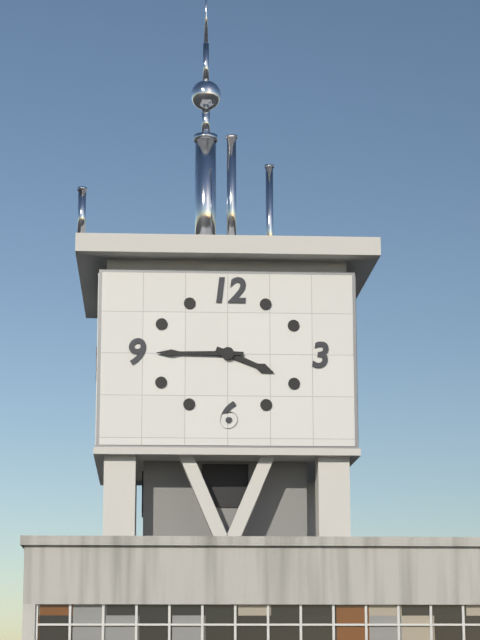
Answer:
3.45
